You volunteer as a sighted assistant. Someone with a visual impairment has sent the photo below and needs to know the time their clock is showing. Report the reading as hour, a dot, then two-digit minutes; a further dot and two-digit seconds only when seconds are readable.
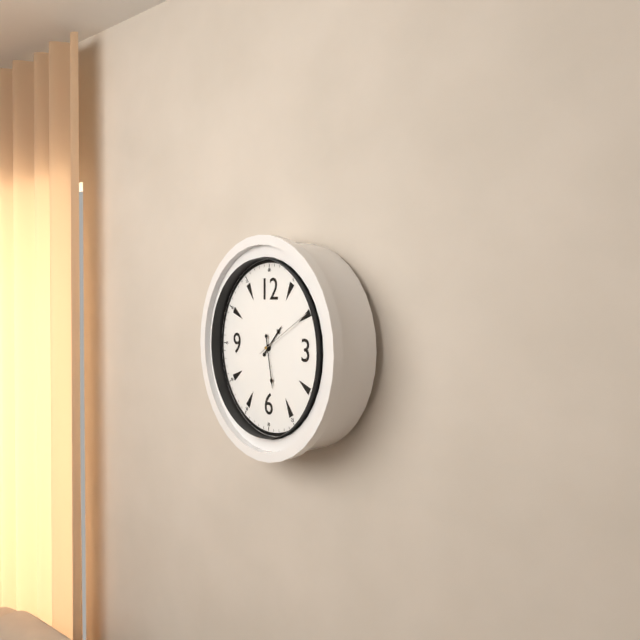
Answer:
1.28.10
